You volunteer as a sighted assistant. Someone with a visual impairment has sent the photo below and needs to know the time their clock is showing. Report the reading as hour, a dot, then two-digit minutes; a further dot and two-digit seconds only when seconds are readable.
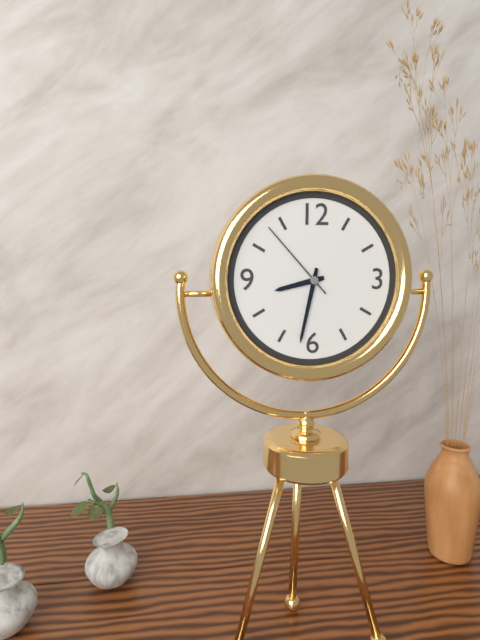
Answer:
8.32.53
